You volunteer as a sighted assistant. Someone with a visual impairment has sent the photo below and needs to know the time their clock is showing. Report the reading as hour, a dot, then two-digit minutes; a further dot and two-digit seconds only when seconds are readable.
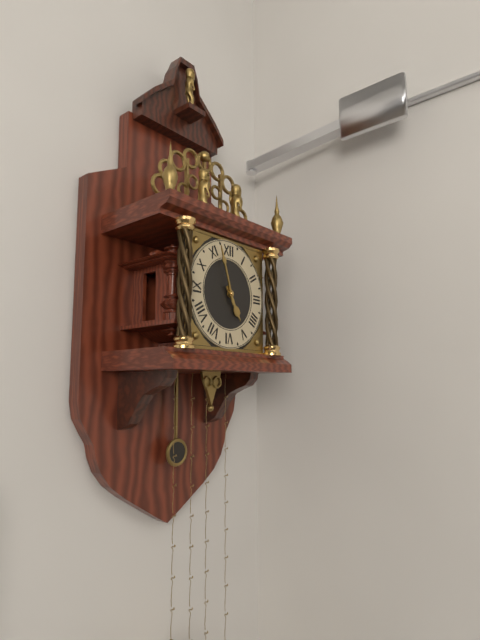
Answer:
4.57
